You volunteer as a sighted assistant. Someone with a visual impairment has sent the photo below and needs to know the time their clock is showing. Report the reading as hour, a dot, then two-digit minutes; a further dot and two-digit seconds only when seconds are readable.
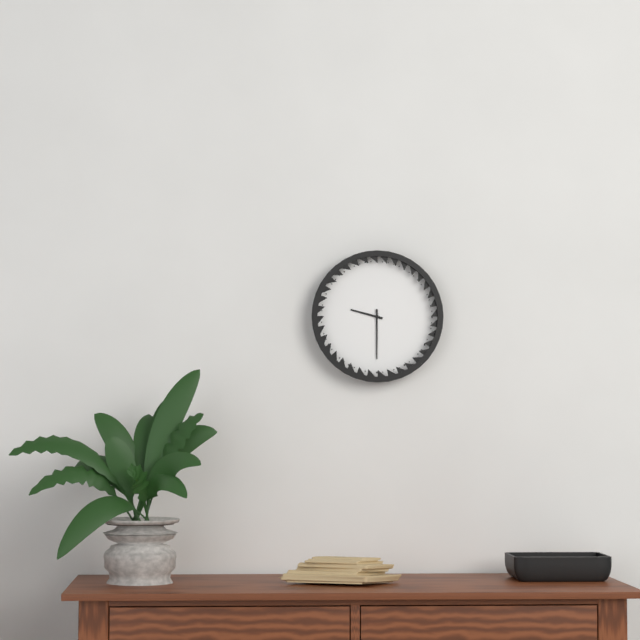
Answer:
9.30
